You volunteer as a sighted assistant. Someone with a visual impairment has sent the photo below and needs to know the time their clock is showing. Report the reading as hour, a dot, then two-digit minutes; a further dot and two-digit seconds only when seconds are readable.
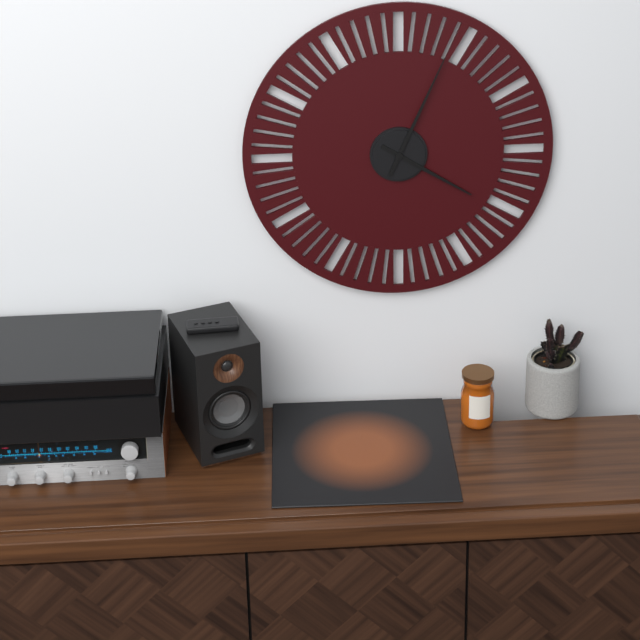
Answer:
4.04
